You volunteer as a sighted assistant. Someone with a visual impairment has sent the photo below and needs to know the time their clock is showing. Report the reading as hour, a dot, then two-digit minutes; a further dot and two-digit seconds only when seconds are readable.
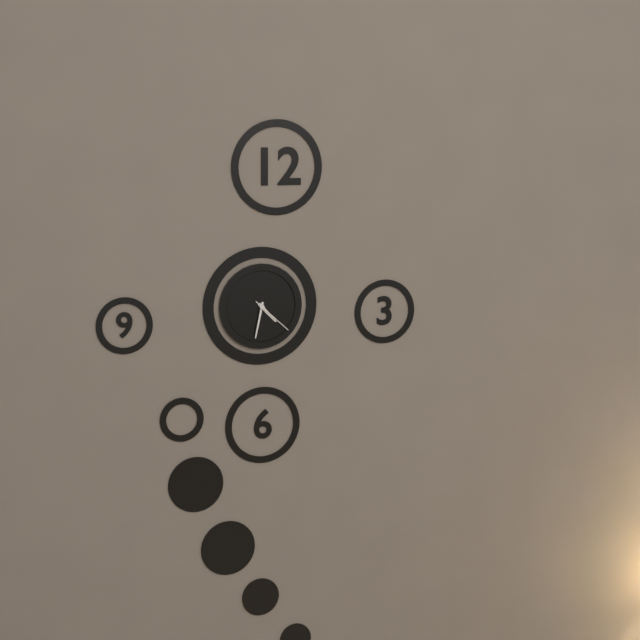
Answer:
4.32
